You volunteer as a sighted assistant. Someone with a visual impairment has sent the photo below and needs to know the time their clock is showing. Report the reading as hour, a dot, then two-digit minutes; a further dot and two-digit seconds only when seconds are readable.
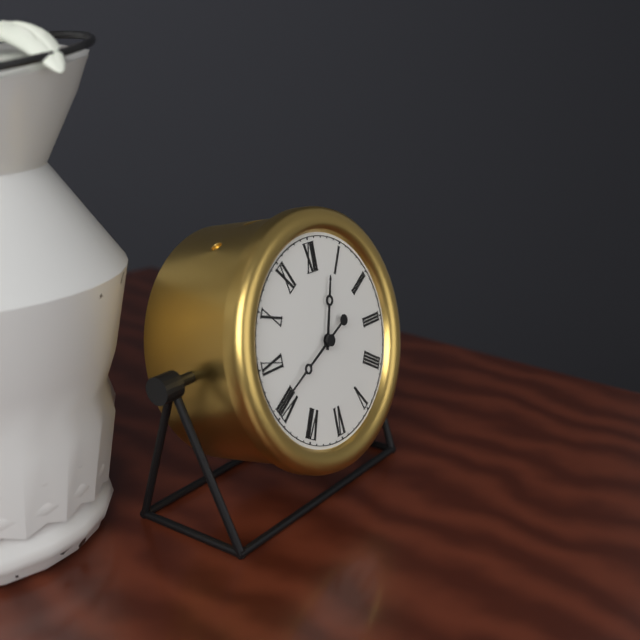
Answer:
12.41
